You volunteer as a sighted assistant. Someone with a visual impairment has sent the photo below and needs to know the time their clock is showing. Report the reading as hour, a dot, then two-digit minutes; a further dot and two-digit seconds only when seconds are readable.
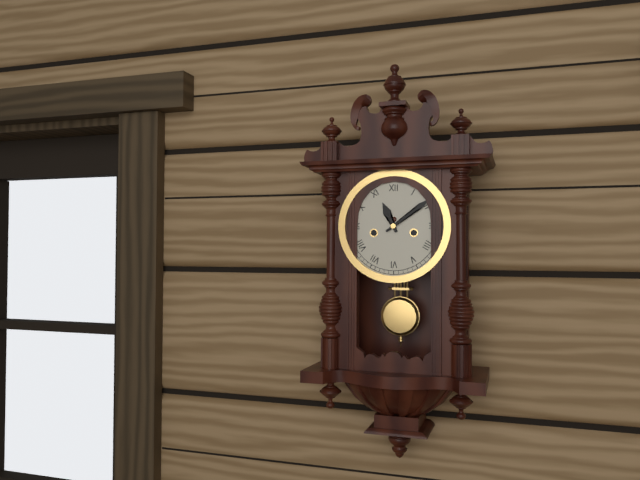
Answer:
11.09
